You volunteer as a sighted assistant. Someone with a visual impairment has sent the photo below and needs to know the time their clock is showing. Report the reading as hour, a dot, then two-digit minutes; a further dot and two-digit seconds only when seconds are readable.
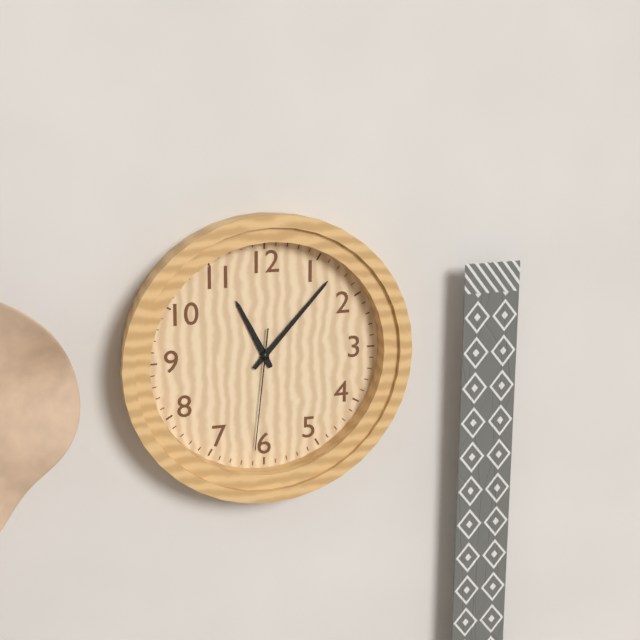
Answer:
11.07.31
